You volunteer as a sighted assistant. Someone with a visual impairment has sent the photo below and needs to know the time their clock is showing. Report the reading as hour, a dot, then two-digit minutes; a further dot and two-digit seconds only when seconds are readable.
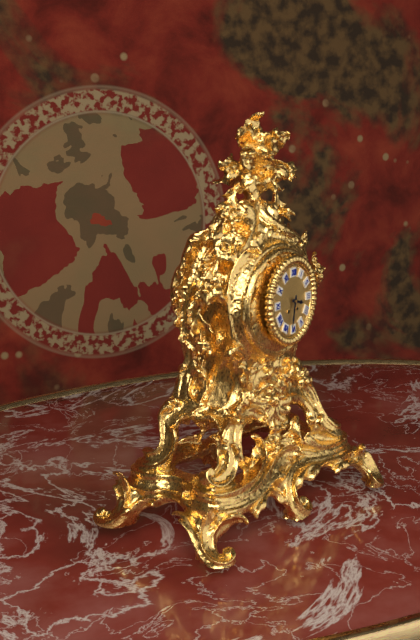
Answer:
3.32
